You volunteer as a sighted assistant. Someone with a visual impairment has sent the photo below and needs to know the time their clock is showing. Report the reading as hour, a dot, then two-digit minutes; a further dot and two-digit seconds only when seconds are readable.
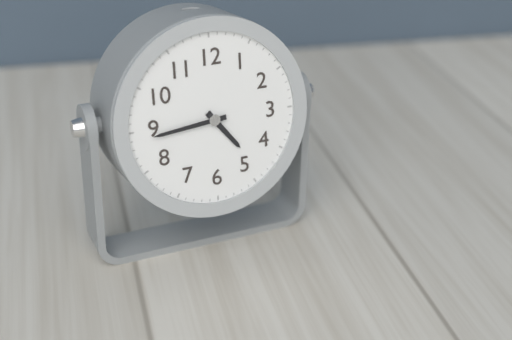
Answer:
4.44
